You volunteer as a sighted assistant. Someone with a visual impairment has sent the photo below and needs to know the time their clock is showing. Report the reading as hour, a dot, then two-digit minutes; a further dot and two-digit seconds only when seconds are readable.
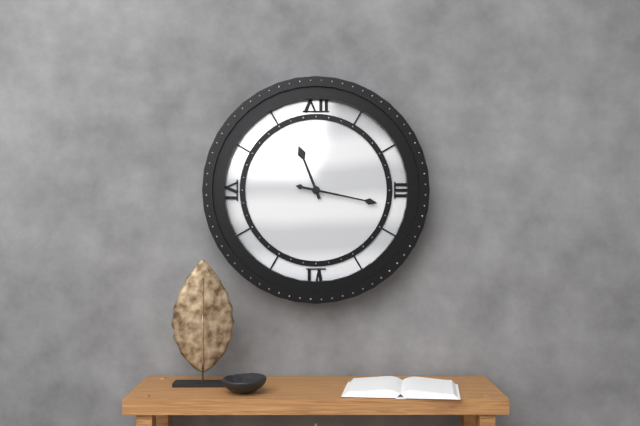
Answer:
11.17
